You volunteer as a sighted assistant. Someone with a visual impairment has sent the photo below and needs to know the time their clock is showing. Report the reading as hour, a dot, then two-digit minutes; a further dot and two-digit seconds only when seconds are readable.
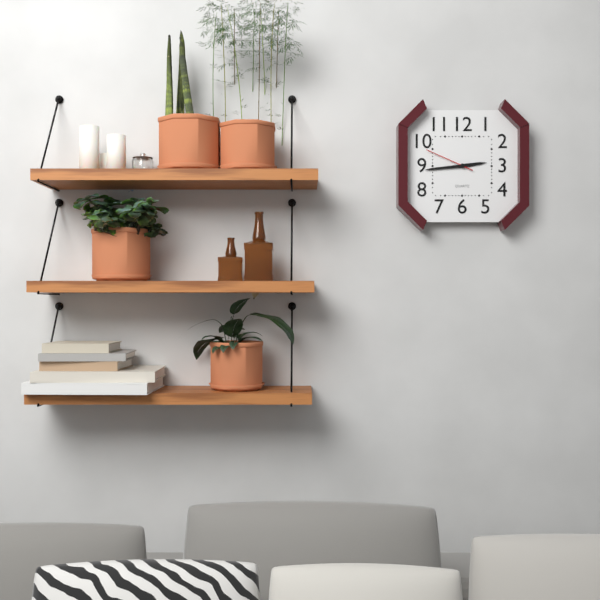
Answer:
2.44
